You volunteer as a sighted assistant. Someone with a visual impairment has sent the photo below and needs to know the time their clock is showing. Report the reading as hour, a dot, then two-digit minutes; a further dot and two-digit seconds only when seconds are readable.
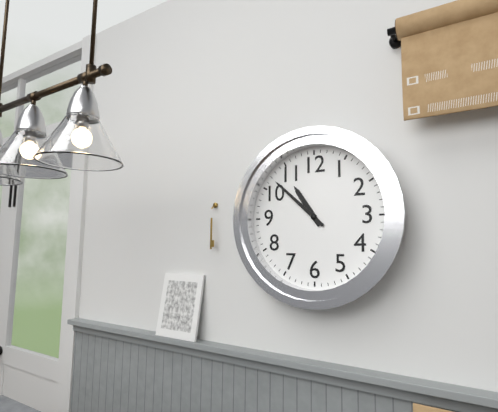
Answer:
10.52
